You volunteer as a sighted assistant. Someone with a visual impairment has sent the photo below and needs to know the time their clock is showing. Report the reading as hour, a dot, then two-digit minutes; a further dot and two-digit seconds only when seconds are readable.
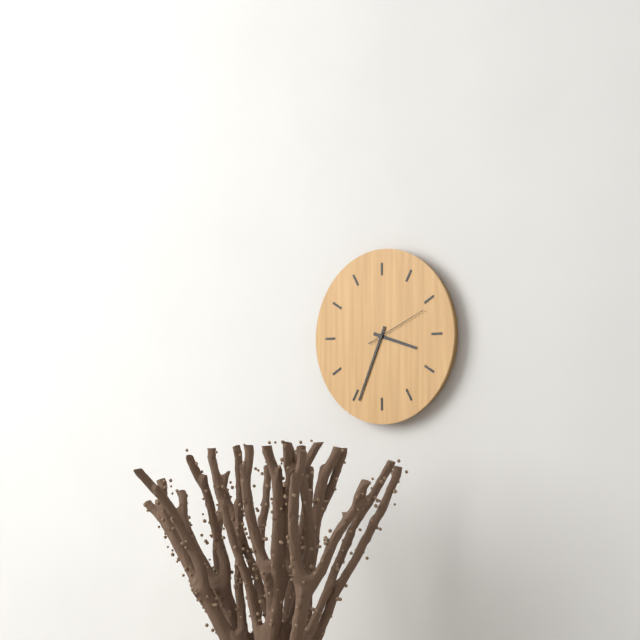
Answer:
3.34.11
